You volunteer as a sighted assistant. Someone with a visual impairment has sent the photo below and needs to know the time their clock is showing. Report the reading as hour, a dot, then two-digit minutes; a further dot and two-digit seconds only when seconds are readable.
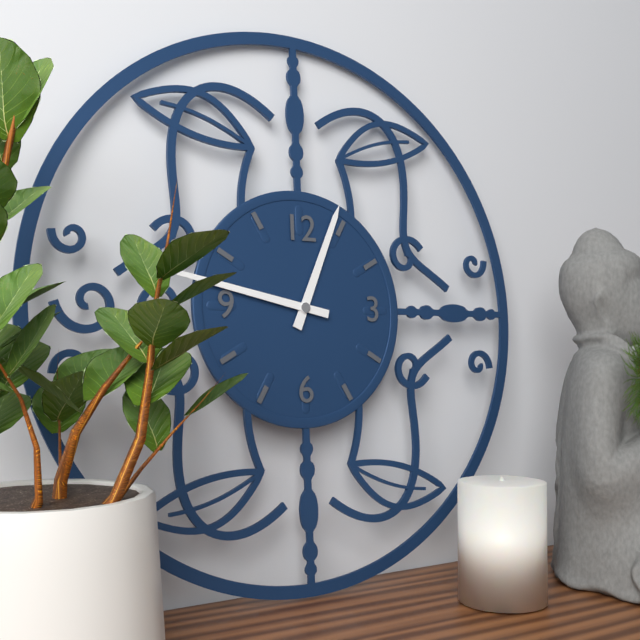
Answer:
12.47
